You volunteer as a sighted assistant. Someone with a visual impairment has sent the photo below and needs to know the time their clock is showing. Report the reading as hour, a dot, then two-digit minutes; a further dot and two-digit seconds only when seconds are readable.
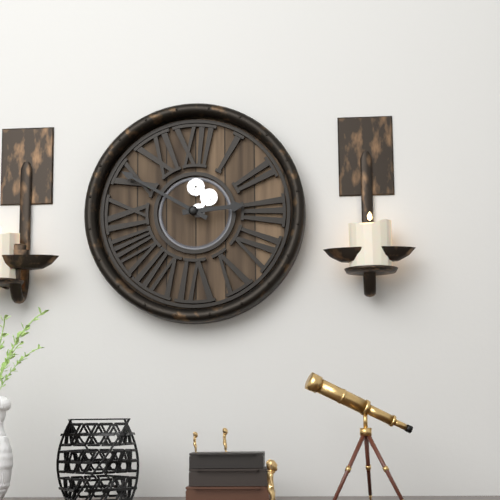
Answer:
2.50
